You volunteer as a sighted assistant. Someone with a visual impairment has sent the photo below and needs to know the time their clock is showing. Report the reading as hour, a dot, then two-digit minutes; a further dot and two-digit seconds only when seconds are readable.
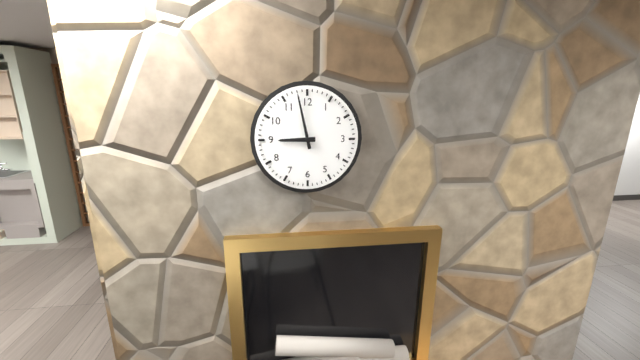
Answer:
8.58
